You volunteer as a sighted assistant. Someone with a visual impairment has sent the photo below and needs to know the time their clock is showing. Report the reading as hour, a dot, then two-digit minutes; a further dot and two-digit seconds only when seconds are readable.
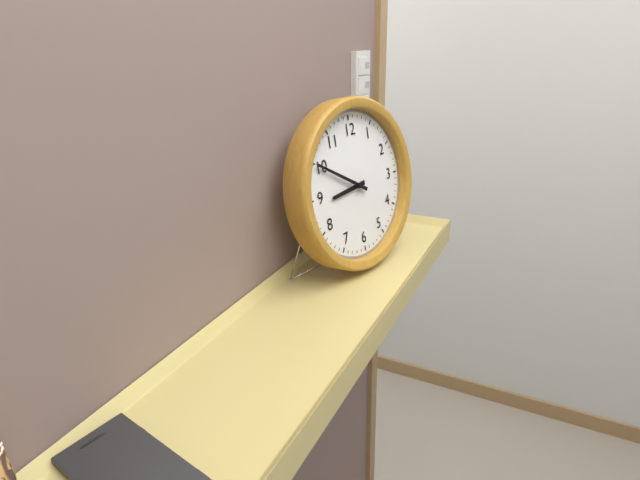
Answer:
8.50
